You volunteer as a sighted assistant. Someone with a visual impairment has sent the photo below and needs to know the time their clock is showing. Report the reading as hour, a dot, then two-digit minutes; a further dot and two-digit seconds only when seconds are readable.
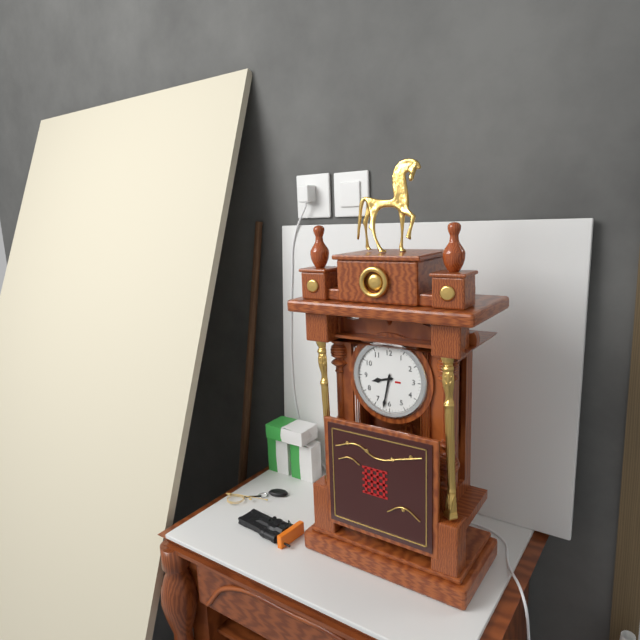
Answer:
8.32
